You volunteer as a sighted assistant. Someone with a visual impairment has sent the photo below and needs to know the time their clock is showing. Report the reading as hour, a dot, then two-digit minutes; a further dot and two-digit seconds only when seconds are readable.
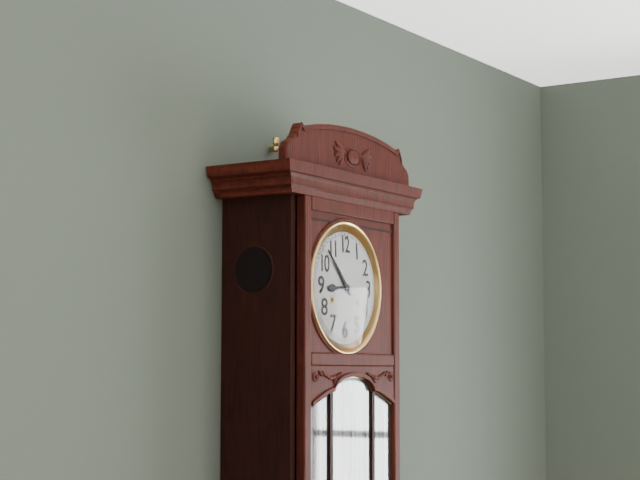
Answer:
8.53
